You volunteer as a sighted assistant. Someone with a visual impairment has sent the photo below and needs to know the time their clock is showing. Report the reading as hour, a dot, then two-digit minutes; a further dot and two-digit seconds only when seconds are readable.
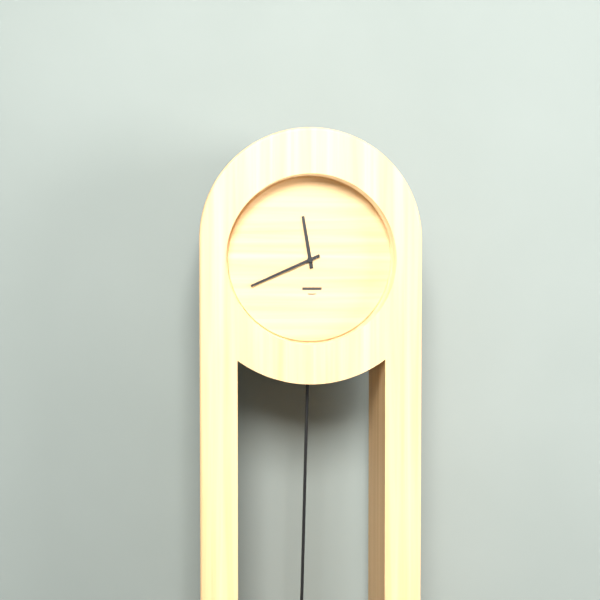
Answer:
11.41
